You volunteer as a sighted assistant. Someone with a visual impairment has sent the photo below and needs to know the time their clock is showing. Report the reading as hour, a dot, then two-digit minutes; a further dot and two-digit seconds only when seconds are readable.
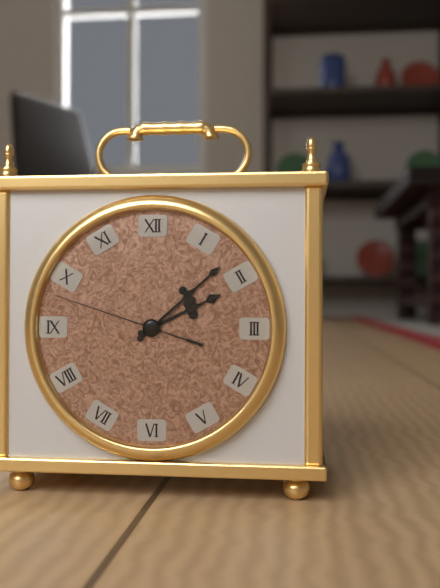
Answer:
2.08.48
